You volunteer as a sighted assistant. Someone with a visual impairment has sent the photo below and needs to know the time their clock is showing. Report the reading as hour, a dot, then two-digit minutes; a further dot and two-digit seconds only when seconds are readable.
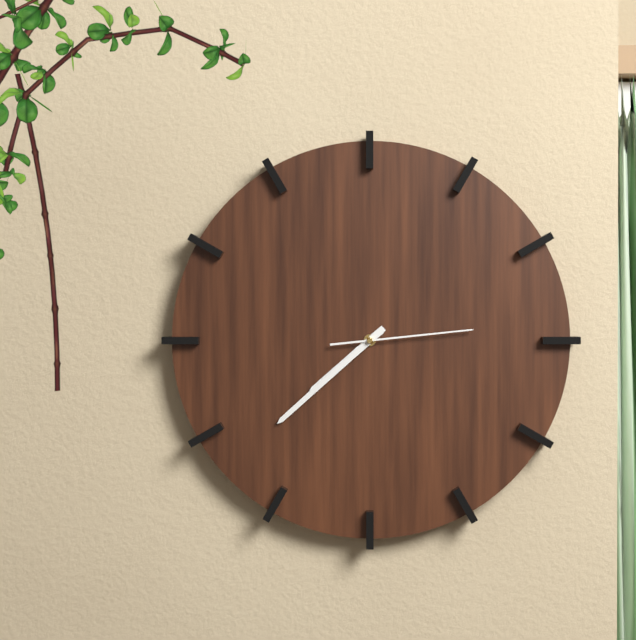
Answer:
7.38.14
